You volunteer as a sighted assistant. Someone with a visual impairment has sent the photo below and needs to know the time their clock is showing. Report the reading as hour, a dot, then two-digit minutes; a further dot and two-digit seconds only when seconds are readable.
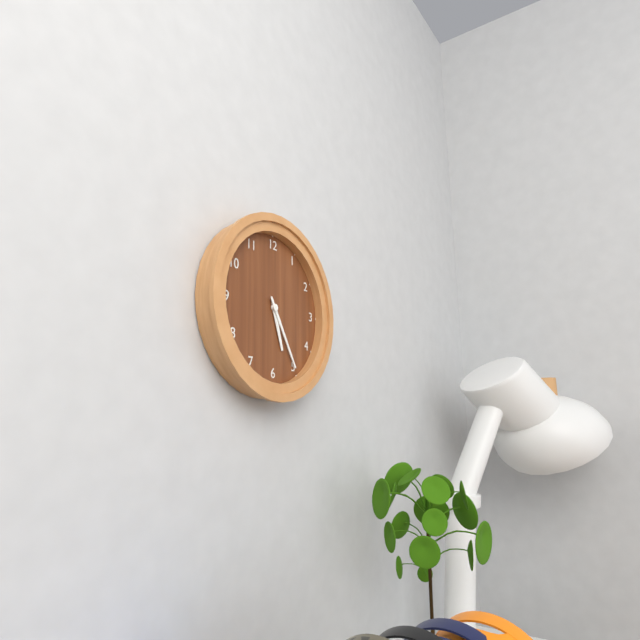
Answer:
5.25
